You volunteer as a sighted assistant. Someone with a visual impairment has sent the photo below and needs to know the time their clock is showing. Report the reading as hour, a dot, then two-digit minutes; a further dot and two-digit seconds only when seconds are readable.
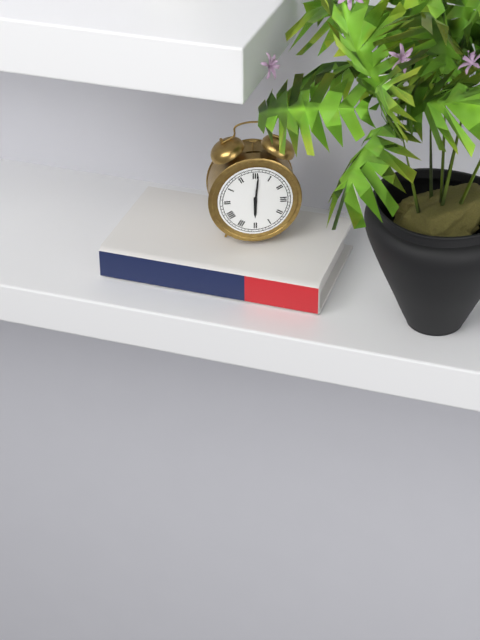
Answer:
6.01
